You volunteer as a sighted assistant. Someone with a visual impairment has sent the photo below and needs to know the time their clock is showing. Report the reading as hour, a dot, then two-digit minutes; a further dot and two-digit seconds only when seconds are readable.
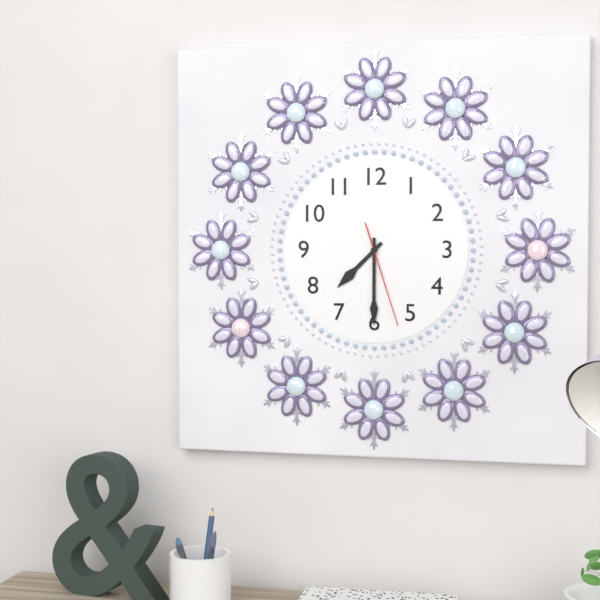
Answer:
7.30.27
